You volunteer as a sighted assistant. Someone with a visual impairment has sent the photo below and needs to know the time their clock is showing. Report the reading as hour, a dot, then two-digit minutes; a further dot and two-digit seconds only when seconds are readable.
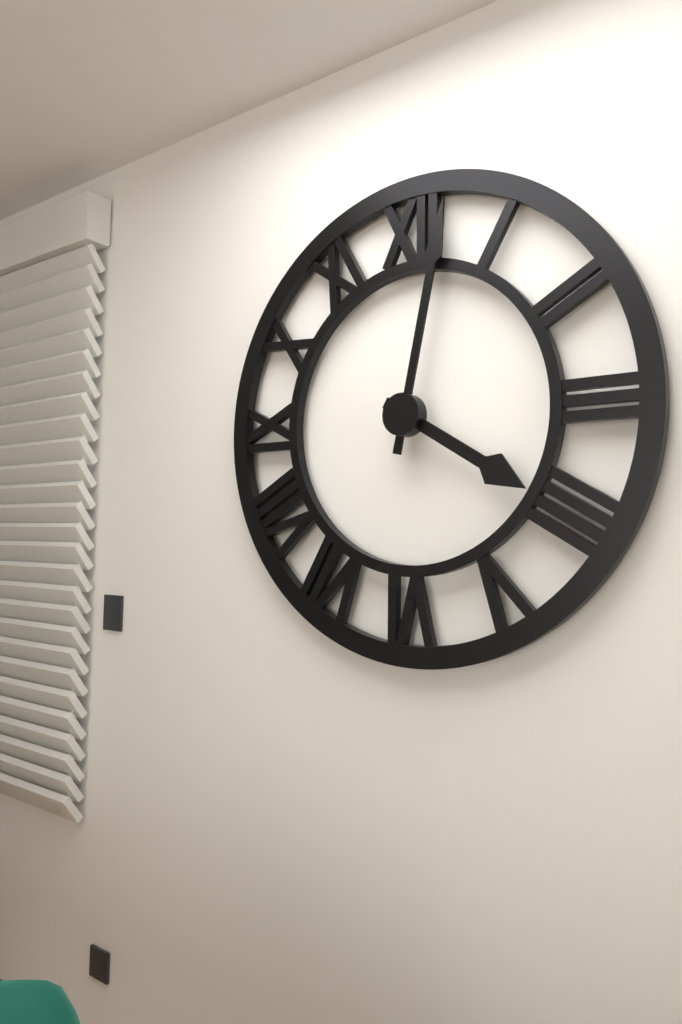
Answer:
4.02
